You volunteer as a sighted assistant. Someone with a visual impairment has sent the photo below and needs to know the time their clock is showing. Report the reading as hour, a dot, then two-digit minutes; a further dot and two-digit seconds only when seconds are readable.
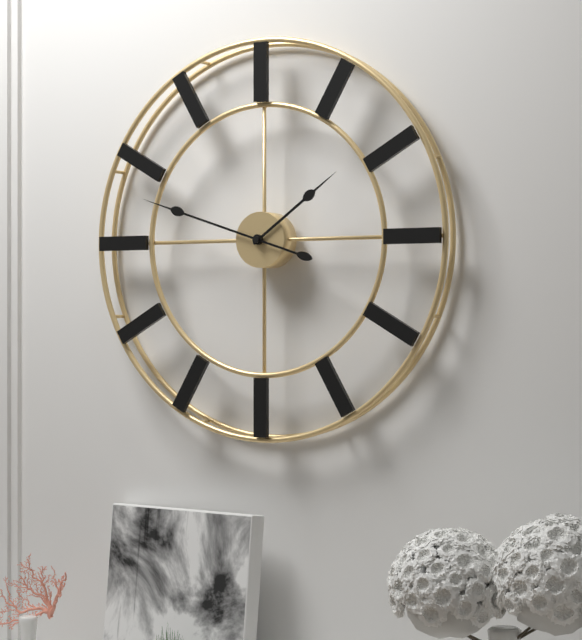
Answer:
1.48
